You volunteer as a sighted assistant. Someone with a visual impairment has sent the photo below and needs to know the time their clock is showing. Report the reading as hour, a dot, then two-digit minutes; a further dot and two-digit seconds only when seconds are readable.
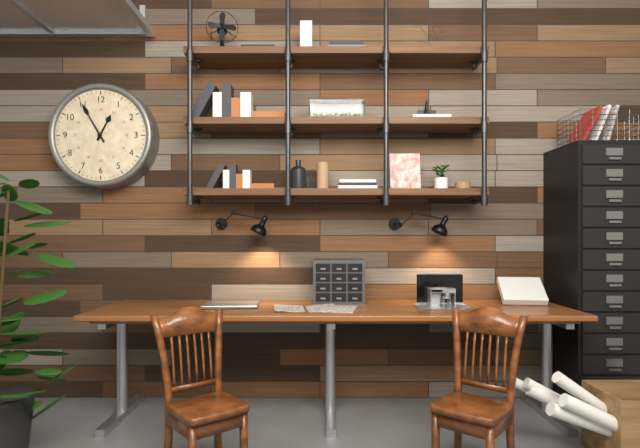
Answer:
12.55
